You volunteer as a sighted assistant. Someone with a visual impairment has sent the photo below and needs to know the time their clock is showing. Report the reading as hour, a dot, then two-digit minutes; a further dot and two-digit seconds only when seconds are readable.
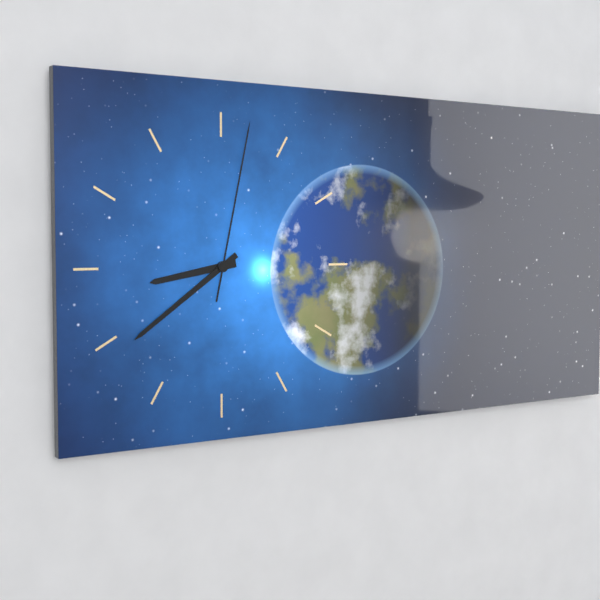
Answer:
8.39.02
